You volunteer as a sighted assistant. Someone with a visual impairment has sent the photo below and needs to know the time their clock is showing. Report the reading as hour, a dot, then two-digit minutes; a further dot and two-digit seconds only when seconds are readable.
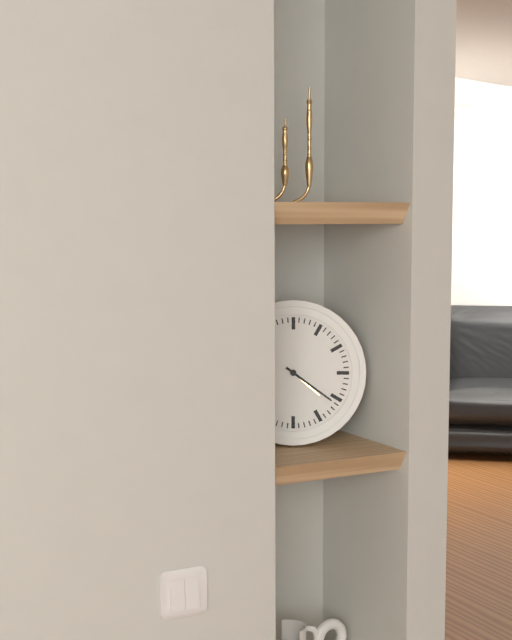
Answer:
4.21
